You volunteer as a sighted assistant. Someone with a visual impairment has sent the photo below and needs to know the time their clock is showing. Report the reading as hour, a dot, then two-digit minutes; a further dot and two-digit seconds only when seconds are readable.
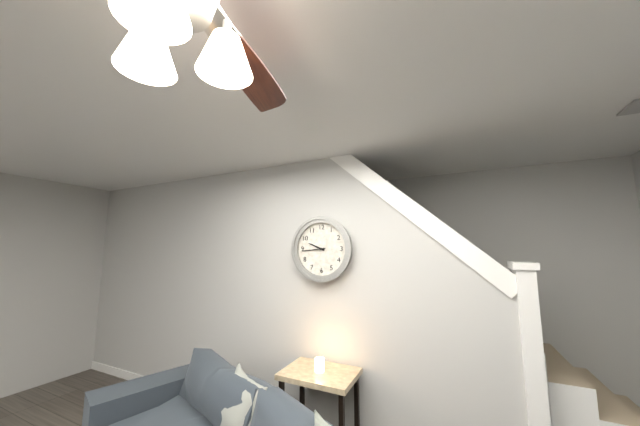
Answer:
9.44
